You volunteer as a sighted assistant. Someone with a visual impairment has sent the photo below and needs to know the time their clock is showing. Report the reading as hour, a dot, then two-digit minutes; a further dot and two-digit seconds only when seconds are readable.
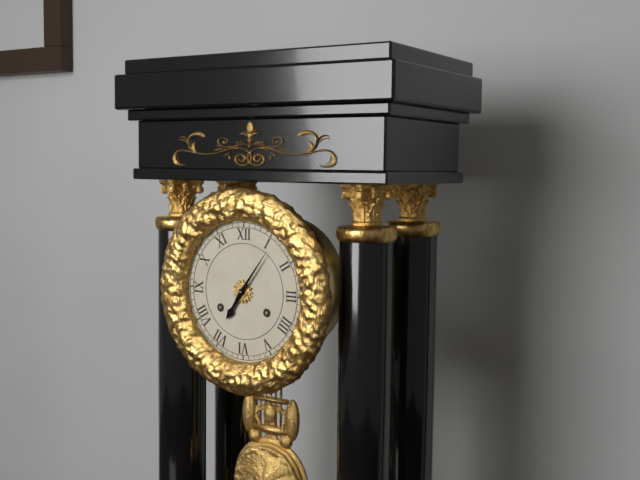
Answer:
7.06
